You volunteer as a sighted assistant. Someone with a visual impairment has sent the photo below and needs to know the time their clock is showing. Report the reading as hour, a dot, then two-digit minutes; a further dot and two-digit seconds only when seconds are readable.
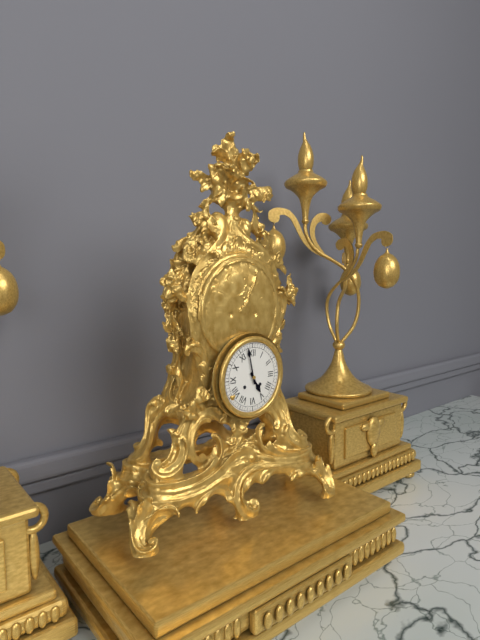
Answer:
4.58
